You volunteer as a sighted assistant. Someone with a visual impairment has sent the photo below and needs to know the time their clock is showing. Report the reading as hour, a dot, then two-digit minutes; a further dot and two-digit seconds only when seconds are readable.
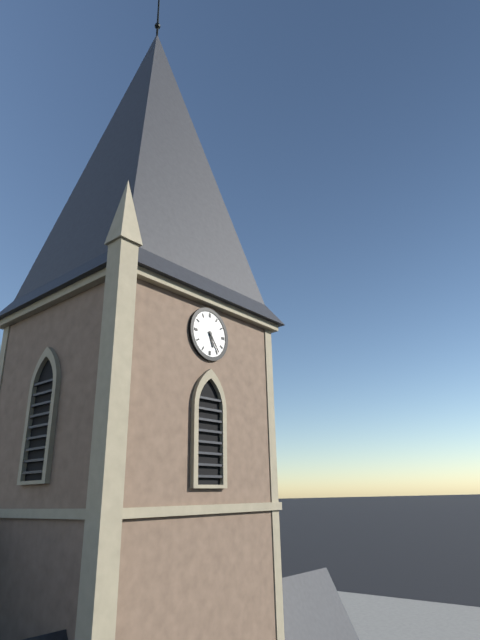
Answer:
5.24
